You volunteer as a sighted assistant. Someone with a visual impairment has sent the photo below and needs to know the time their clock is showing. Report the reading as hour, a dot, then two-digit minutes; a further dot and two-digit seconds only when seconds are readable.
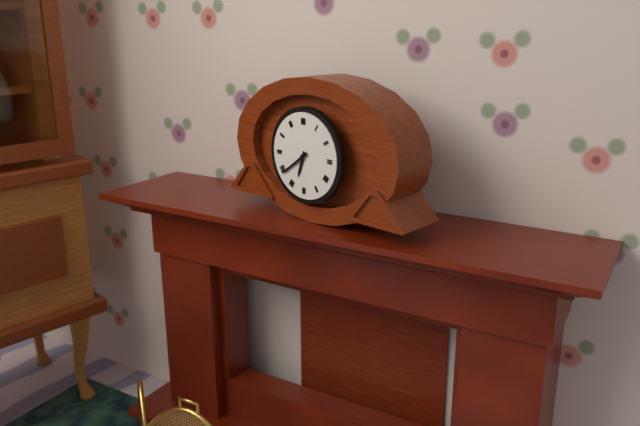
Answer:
6.39
